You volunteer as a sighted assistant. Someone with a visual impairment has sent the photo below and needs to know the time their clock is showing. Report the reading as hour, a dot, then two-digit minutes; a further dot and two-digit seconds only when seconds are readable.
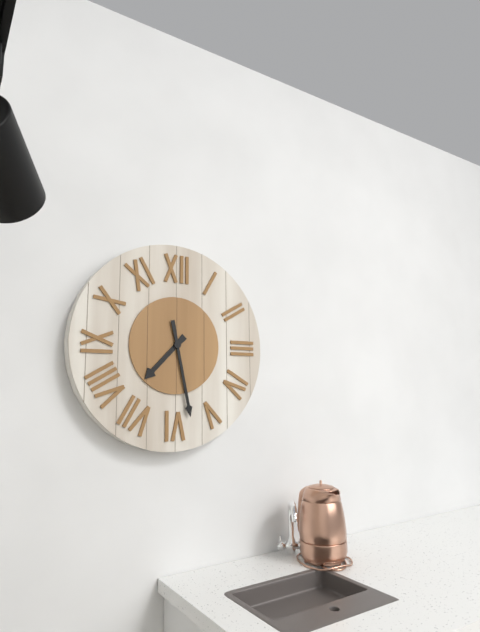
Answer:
7.28
